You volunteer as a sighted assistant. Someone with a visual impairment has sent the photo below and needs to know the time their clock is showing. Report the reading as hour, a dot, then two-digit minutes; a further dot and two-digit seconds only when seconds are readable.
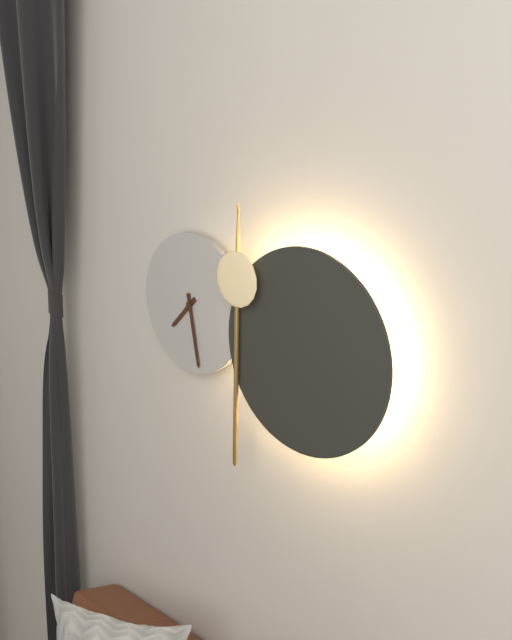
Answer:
7.28
